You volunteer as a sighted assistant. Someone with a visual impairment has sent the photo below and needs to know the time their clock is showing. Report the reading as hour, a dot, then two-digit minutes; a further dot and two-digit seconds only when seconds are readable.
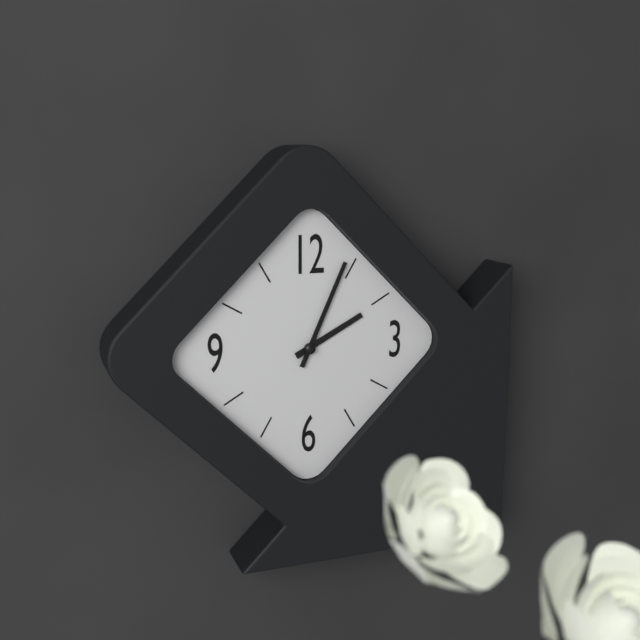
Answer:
2.04
